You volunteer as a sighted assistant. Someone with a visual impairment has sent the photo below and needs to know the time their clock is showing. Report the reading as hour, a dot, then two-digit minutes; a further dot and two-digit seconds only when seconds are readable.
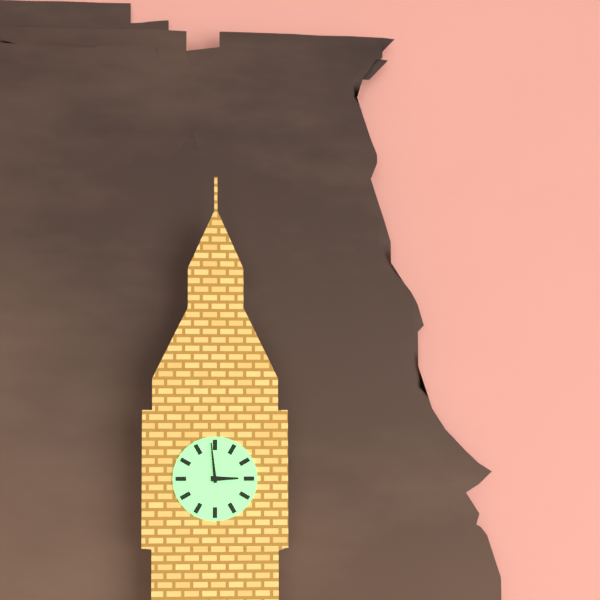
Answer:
2.59
